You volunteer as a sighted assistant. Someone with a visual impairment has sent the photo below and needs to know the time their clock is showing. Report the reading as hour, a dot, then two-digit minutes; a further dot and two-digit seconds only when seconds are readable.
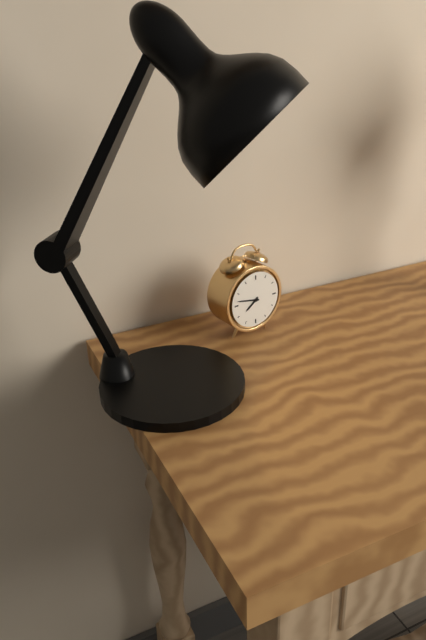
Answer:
7.47
